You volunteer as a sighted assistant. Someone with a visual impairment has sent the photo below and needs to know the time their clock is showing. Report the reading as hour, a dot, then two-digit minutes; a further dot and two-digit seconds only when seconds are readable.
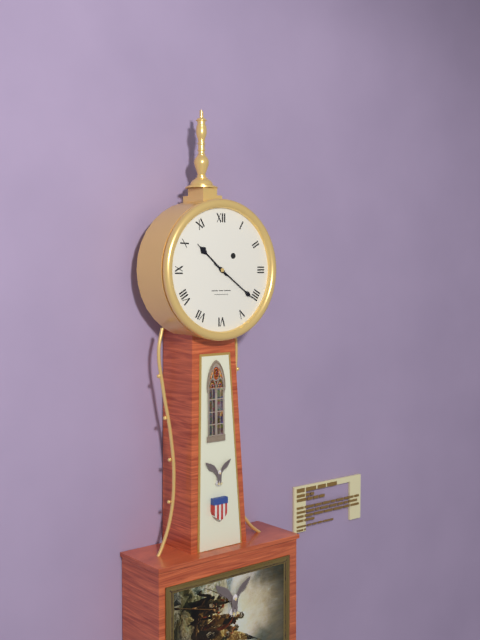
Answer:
10.21
